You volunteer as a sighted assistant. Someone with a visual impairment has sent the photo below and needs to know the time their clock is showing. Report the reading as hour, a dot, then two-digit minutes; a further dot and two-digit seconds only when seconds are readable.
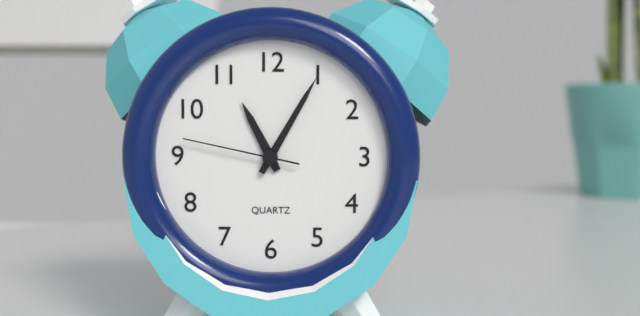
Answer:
11.05.47
